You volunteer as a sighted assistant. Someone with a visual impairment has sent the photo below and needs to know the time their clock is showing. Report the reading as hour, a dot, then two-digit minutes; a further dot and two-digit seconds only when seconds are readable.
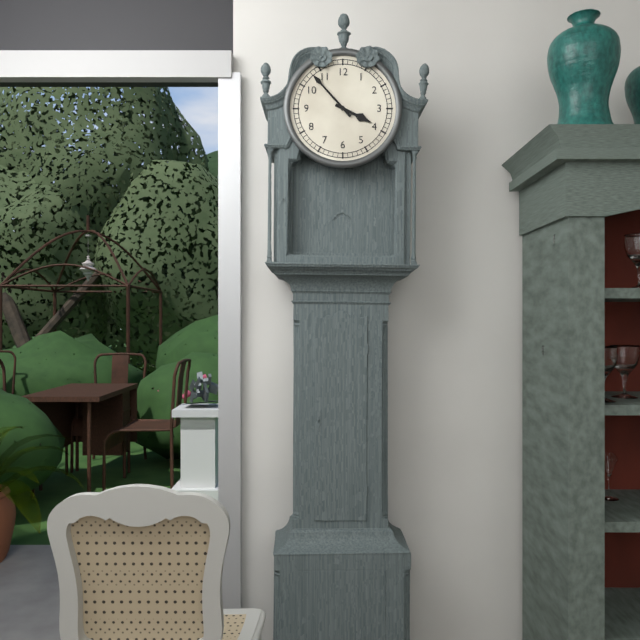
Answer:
3.53
